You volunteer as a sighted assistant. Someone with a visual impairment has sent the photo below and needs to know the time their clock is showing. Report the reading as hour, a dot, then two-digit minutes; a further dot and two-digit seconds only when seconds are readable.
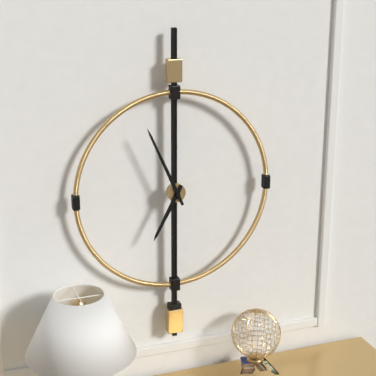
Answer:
6.56
